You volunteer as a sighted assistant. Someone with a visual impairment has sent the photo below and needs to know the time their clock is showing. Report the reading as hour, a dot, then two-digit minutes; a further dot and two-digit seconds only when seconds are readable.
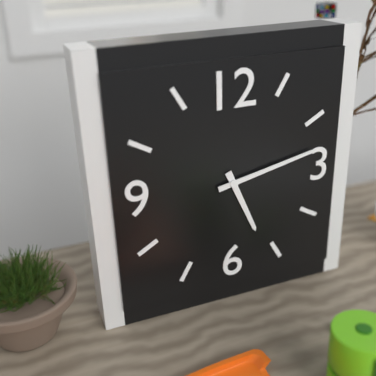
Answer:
5.13
